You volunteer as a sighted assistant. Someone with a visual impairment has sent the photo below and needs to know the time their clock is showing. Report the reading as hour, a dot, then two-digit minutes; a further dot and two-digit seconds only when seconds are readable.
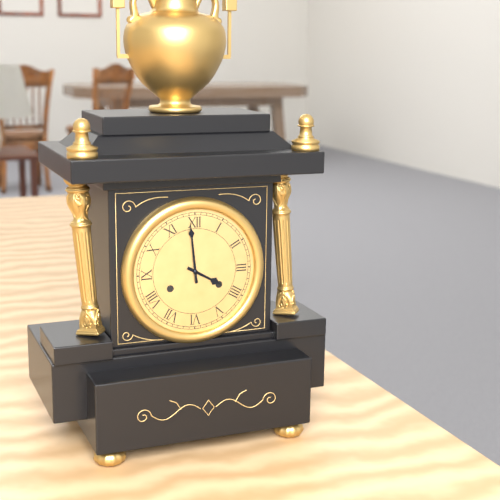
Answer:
3.59
